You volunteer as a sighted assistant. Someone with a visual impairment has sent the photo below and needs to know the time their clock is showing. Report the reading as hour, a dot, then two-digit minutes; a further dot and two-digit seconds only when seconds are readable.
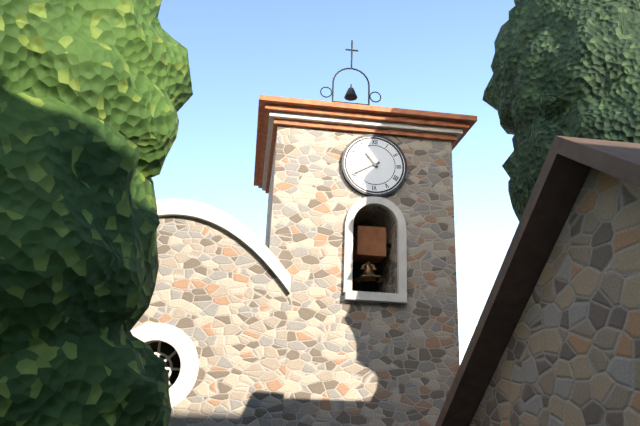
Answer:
10.40
